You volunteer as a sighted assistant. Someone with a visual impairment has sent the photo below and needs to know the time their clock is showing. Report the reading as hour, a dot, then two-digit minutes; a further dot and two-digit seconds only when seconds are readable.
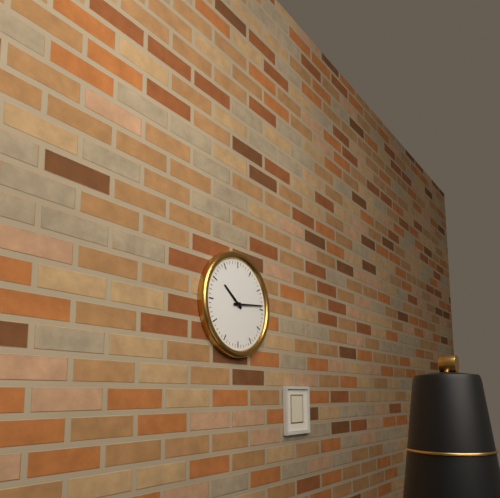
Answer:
10.14
